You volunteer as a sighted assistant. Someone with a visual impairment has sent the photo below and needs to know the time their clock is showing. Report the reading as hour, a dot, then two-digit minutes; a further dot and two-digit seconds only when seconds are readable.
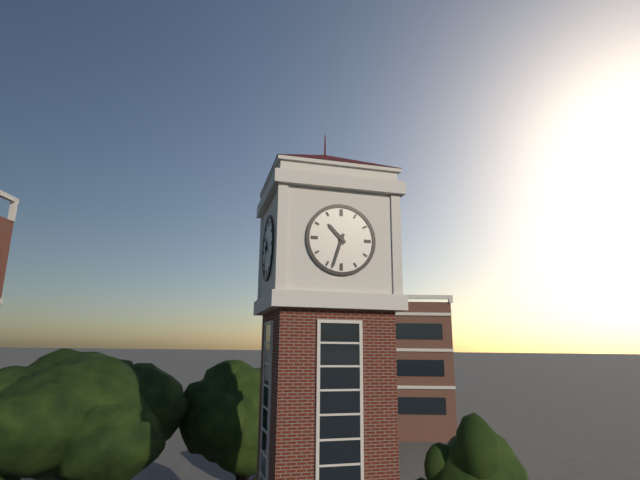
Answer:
10.33
